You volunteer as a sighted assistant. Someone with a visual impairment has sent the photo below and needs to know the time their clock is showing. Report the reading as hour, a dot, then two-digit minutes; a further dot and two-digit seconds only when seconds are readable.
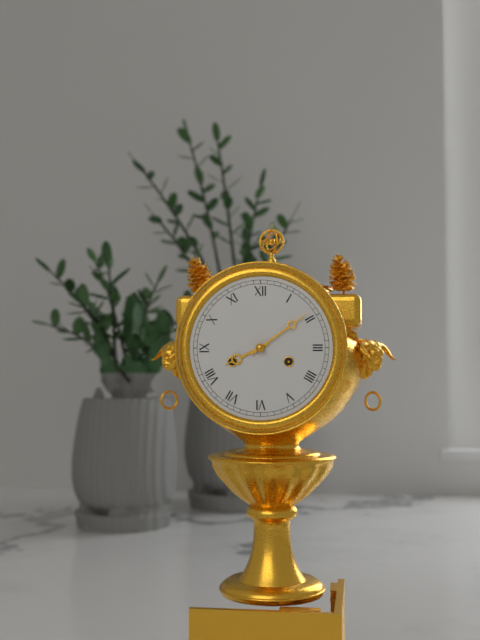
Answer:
8.09
